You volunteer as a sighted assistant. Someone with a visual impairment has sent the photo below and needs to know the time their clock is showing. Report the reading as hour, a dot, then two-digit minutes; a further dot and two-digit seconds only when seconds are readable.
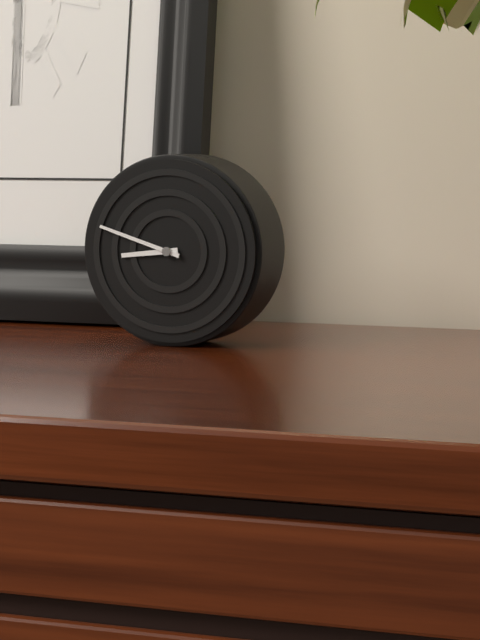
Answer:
8.48
